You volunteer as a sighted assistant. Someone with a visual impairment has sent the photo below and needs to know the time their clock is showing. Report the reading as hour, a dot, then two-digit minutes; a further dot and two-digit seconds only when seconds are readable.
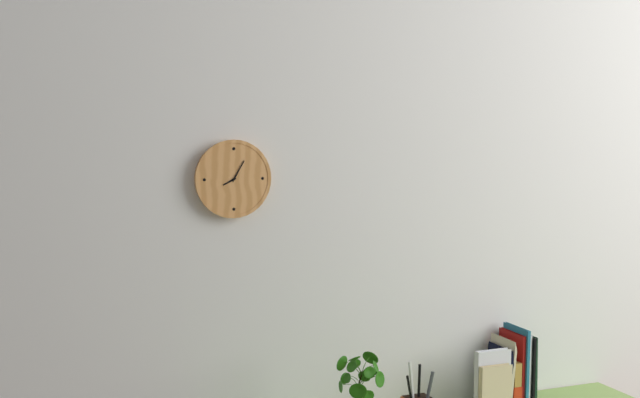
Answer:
8.05
